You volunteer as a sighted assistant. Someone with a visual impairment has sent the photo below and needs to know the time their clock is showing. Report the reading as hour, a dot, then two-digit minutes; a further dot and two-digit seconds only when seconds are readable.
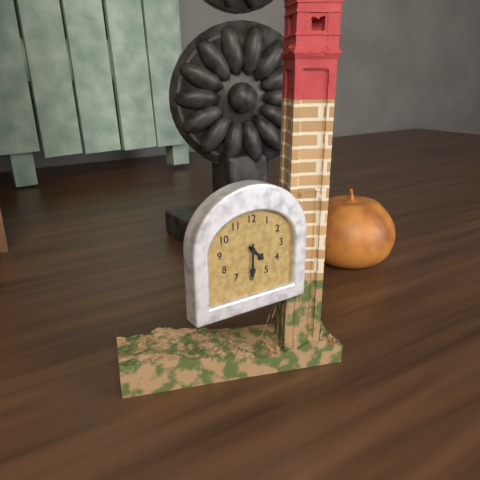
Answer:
4.30
